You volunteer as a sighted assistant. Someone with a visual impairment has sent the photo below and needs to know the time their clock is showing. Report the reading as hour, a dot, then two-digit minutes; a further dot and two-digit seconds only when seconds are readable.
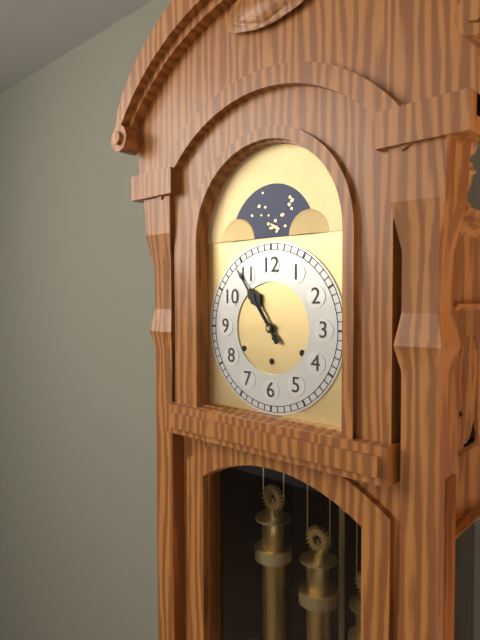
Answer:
10.54
